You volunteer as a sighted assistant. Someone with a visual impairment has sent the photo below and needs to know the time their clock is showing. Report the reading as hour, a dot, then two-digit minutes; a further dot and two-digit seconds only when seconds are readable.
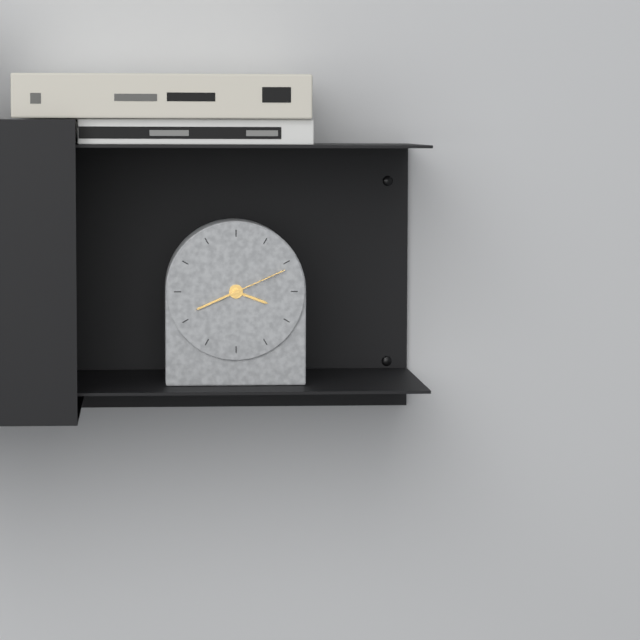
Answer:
3.41.11
